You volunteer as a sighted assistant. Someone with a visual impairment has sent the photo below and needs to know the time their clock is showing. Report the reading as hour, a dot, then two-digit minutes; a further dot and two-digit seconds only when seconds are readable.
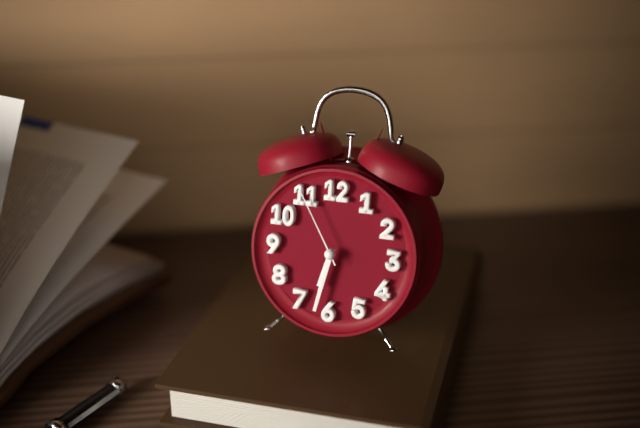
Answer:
6.32.55
